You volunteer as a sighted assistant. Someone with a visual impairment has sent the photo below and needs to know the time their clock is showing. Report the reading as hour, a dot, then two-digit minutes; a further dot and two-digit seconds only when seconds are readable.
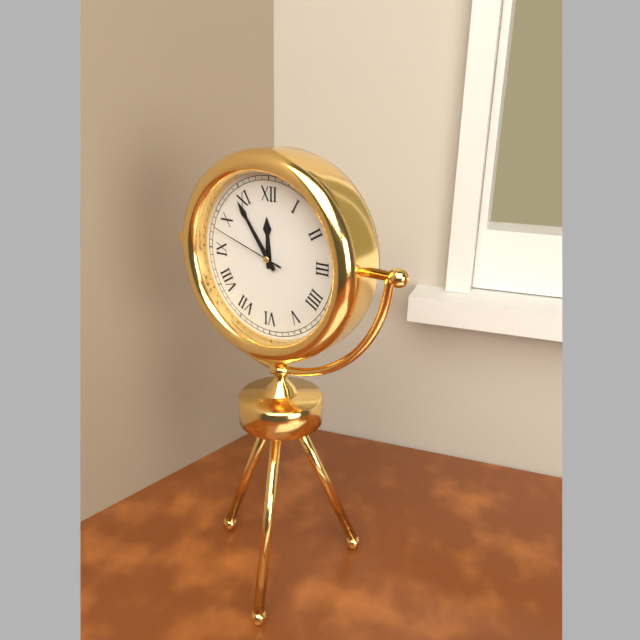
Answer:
11.54.48
